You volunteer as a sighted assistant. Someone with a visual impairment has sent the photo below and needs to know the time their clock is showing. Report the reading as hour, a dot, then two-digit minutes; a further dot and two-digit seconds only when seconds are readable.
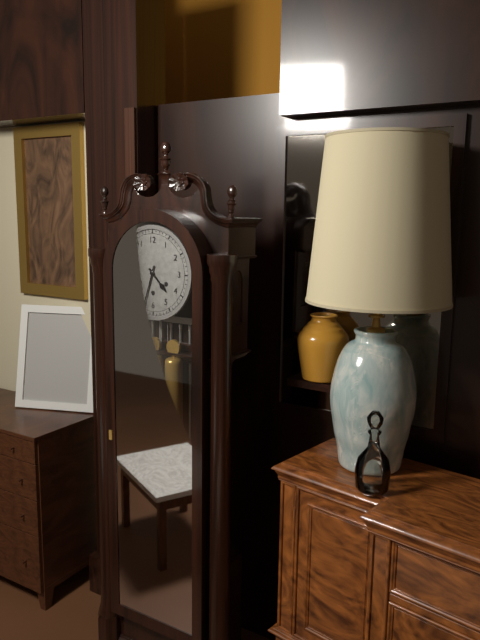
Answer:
4.33
